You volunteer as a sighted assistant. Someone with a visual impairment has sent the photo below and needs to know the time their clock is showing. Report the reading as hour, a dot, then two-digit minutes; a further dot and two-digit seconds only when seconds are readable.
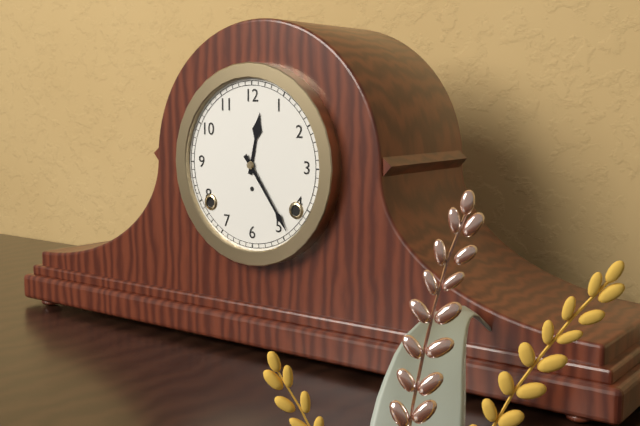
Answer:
12.24
